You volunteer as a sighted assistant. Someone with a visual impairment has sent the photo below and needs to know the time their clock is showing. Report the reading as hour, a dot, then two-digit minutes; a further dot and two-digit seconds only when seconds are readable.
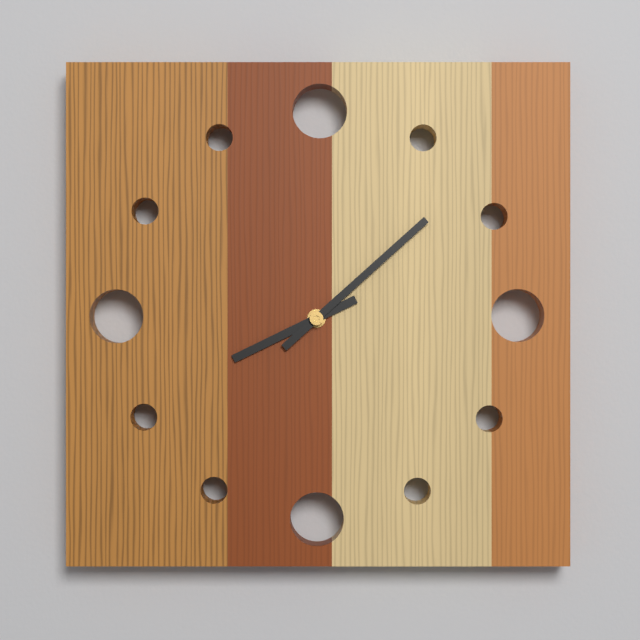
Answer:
8.08
